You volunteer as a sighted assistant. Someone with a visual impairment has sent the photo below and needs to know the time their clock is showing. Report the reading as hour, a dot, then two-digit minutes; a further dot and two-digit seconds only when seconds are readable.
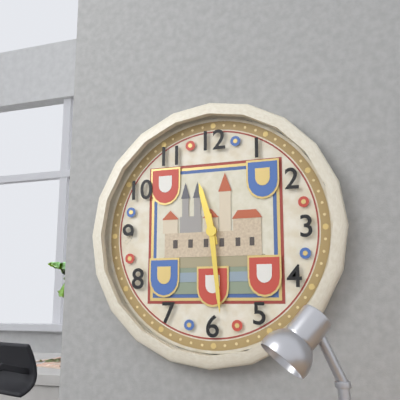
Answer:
11.29
